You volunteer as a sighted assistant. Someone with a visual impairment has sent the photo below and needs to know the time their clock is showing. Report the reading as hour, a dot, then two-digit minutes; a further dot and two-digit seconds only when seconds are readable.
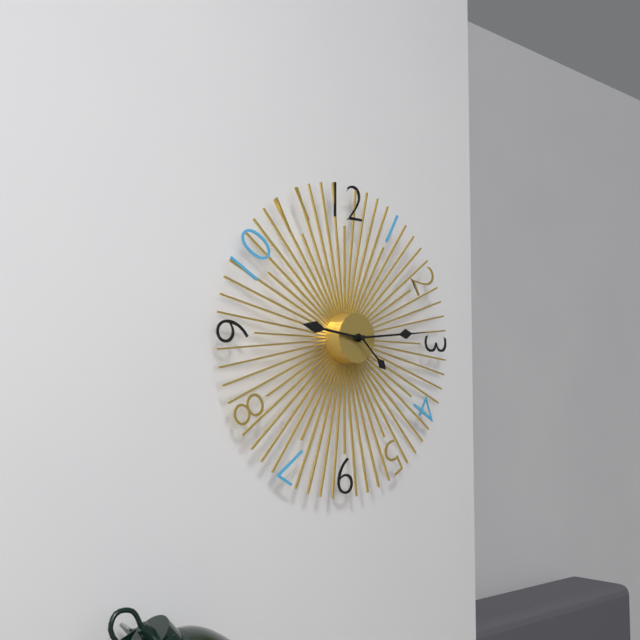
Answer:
9.14.22
